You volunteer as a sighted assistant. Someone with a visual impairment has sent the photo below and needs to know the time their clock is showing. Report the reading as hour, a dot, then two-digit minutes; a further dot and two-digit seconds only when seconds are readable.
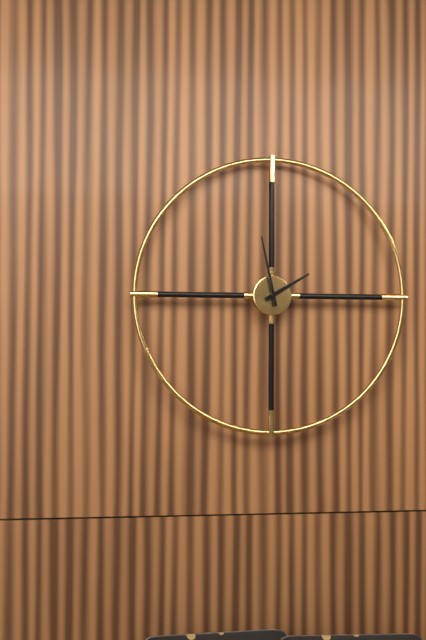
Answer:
1.58
